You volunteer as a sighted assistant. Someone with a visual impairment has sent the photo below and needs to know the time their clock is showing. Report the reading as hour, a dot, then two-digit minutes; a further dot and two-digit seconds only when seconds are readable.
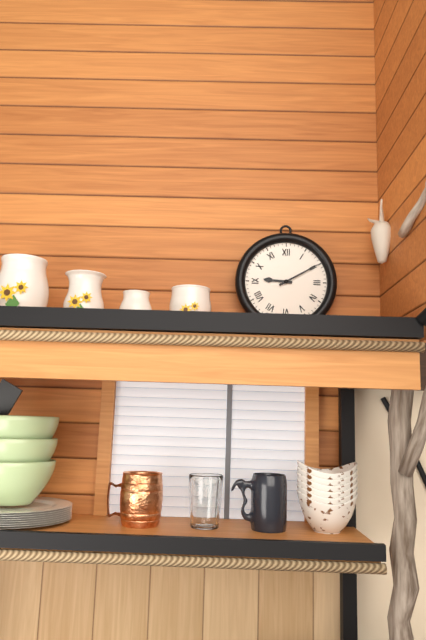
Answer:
9.10
